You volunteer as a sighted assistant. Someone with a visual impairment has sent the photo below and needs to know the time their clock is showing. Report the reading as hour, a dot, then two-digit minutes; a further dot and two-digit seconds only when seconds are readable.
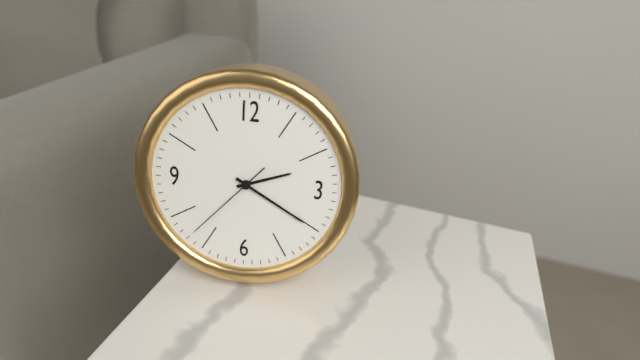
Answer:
2.20.37
